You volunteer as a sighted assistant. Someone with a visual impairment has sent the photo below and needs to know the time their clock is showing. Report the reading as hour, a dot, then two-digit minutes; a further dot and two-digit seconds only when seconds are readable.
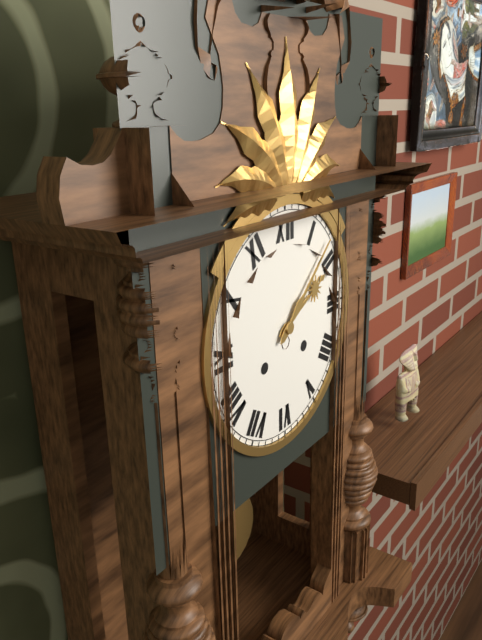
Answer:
2.08
